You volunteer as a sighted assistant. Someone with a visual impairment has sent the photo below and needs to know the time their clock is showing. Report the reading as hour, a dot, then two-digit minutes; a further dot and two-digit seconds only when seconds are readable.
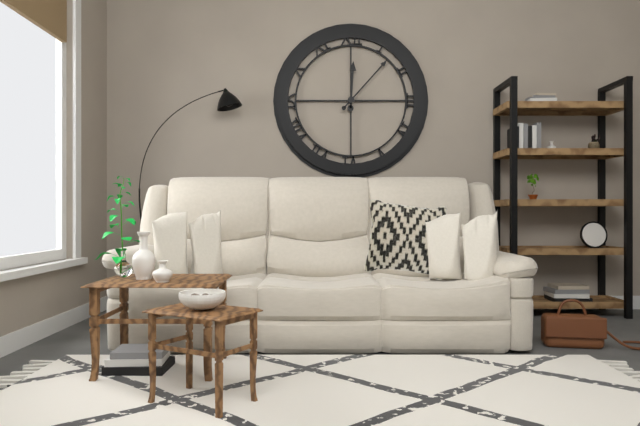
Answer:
12.07
